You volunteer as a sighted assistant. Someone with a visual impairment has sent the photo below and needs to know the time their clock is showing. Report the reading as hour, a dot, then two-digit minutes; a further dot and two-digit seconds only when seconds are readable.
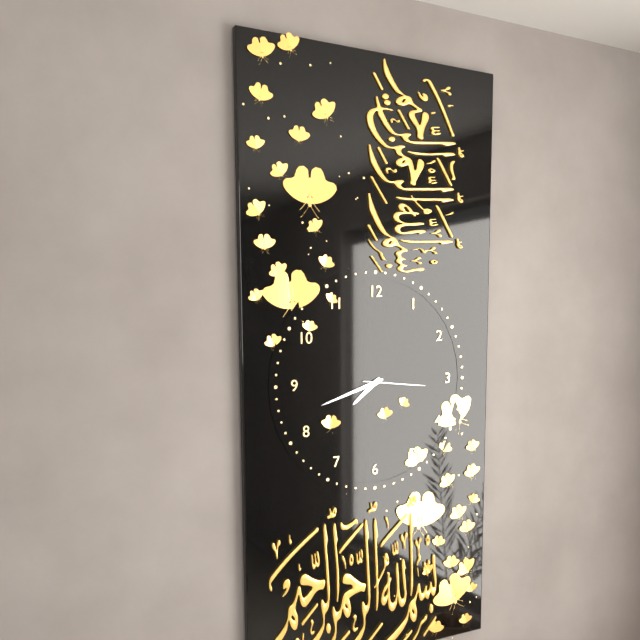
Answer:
7.42.16
